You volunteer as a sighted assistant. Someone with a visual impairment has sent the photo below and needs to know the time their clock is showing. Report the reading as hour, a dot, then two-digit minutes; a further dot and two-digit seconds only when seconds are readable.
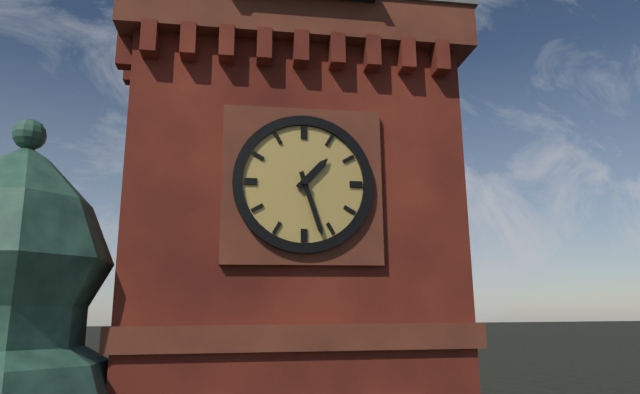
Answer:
1.27
